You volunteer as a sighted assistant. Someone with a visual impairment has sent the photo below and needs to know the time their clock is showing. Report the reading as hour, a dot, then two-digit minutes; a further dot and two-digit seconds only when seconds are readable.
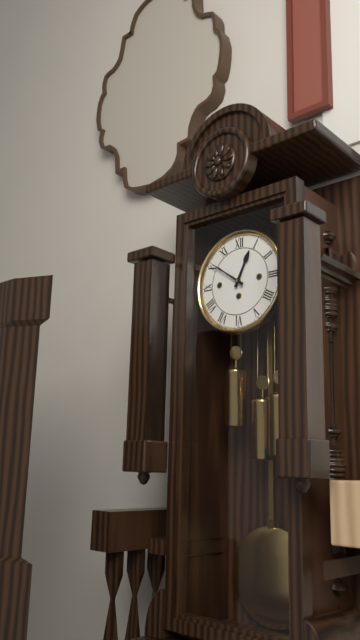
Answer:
12.51
